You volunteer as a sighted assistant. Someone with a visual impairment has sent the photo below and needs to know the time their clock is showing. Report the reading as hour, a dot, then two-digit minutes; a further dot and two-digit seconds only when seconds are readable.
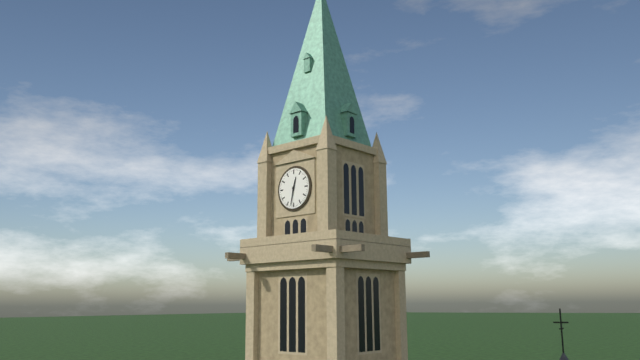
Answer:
12.32
